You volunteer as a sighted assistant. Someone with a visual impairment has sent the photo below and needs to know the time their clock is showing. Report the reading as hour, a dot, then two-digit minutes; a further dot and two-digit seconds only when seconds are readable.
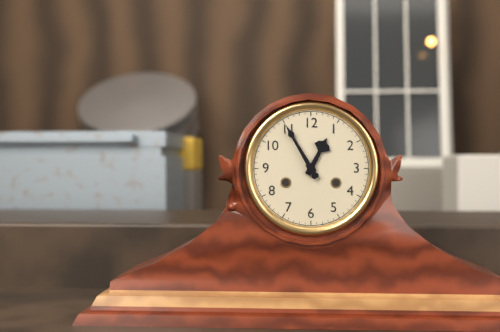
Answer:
12.55
